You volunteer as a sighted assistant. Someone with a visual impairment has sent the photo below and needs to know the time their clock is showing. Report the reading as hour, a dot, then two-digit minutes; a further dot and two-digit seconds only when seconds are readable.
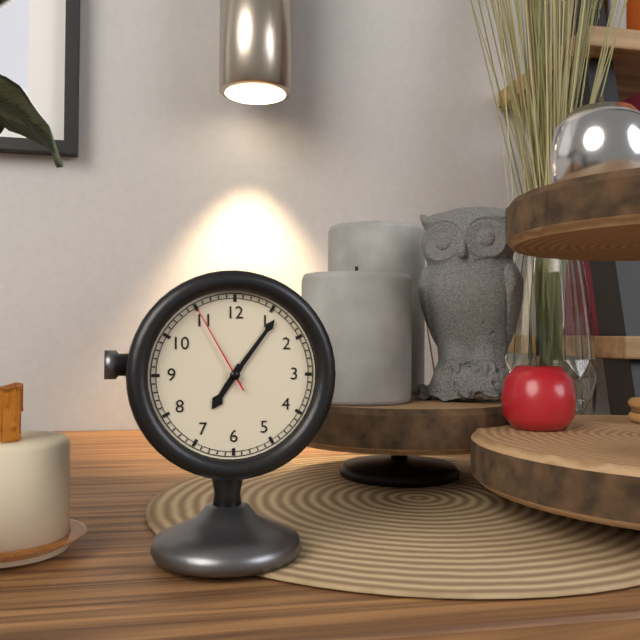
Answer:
7.06.55
